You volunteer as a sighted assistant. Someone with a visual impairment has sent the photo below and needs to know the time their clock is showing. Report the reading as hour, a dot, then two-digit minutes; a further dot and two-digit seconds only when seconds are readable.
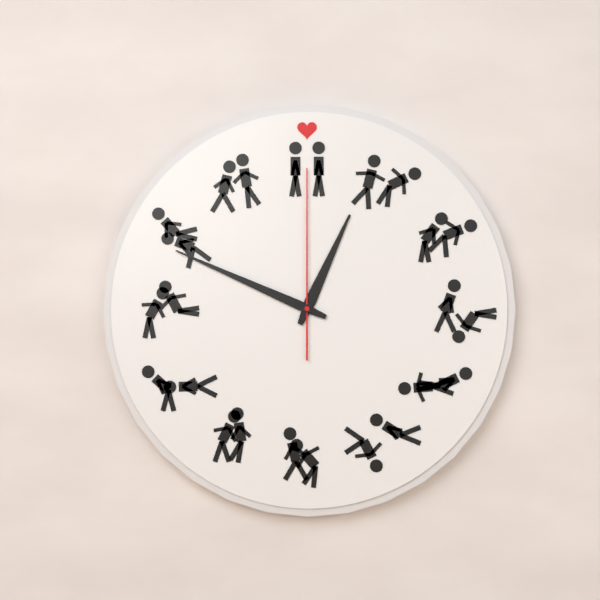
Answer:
12.49.00
